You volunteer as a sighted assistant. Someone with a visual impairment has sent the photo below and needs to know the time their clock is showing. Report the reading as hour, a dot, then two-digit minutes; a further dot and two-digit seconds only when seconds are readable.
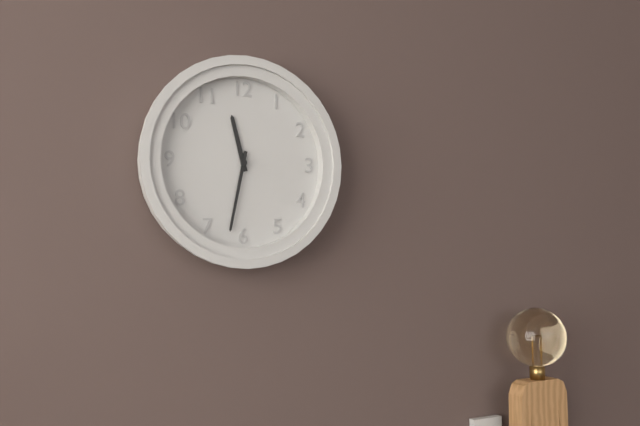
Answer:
11.32
